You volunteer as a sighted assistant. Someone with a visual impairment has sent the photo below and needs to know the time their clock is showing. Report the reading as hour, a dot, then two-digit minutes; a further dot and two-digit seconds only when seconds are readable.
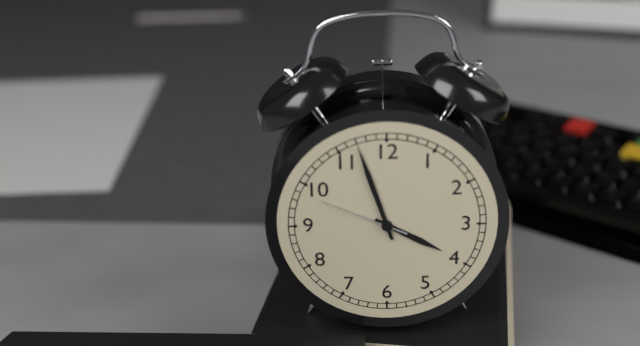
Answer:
3.57.49
